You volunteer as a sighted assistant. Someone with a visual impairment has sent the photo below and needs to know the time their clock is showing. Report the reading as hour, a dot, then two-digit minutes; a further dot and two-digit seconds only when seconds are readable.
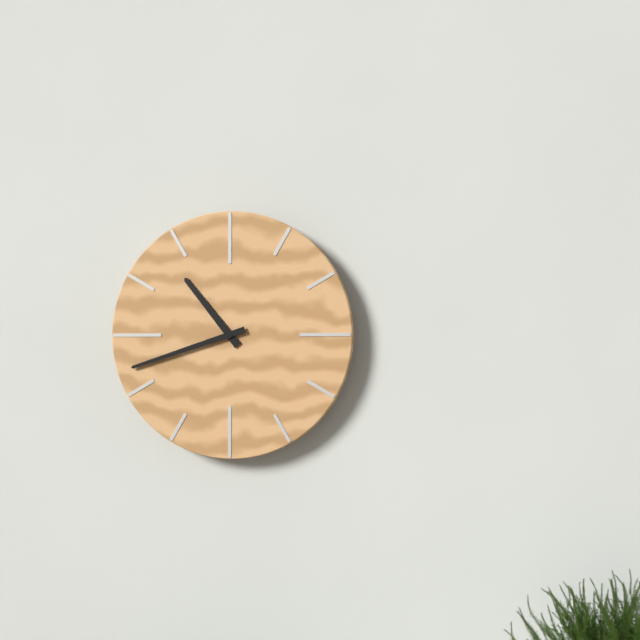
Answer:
10.42
